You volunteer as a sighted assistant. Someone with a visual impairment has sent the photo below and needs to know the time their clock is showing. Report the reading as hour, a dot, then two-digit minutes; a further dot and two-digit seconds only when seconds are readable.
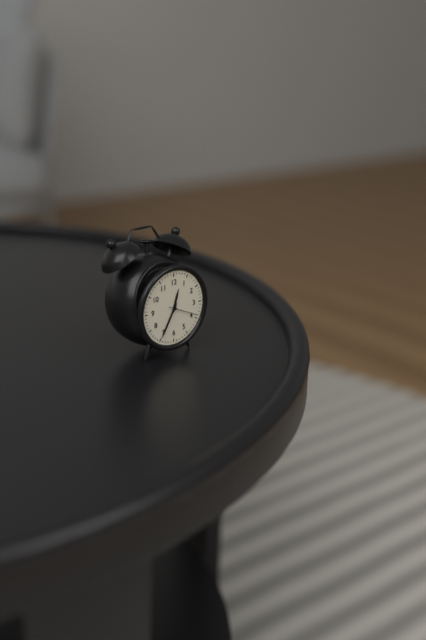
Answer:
12.35
